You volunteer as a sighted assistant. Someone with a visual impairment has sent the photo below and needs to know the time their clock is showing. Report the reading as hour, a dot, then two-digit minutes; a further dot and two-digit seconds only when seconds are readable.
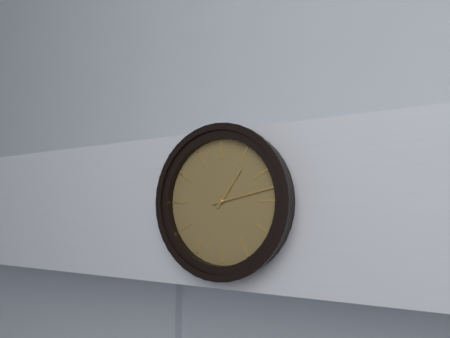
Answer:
1.13
